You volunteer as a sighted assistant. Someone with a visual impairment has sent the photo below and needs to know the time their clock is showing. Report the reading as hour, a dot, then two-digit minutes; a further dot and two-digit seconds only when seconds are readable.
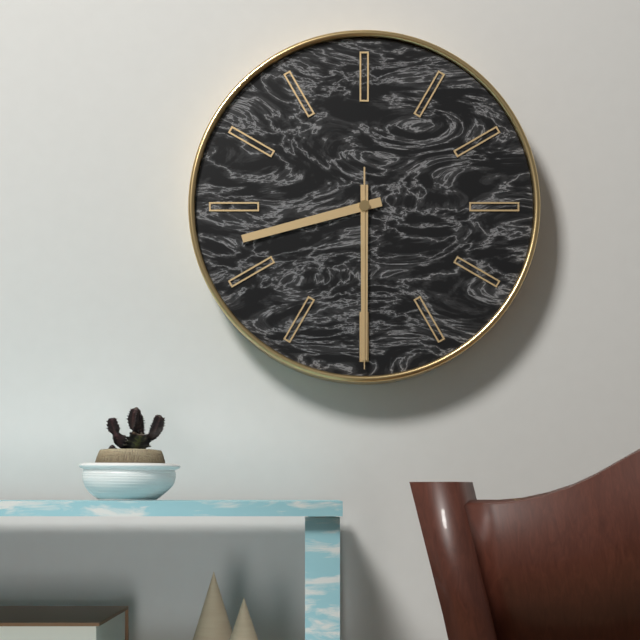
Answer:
8.30.30
